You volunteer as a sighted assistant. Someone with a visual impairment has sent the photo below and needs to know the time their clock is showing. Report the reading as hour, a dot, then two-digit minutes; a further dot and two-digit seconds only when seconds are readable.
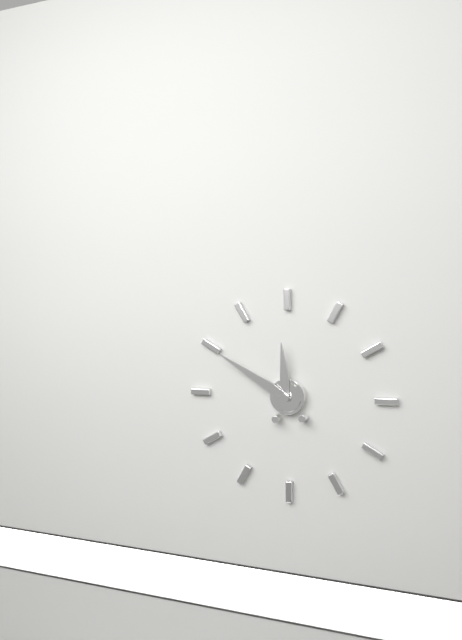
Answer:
11.50
